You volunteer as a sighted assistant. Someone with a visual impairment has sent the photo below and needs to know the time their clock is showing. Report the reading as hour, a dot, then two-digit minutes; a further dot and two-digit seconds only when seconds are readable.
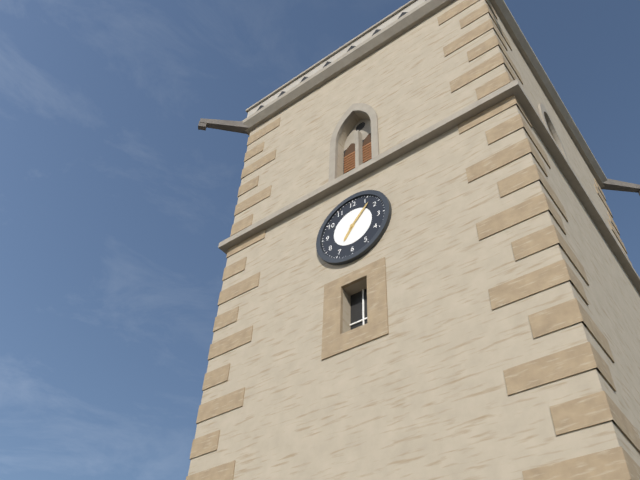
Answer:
7.07
